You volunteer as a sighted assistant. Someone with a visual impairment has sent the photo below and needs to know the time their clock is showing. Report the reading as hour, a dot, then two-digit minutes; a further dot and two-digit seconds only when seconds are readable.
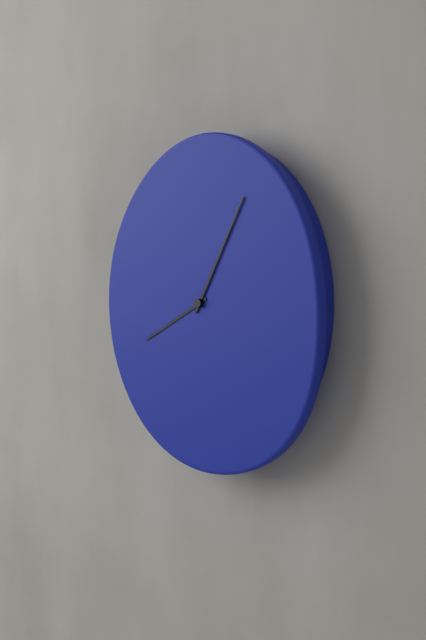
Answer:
8.05
